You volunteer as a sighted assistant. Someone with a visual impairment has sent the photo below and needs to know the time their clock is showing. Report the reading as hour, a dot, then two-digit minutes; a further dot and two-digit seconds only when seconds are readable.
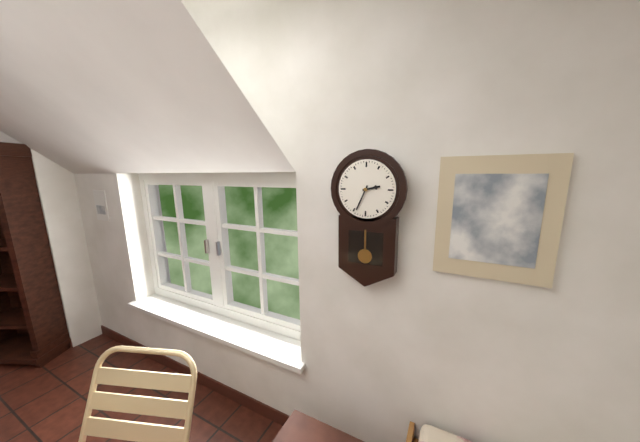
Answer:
2.34
